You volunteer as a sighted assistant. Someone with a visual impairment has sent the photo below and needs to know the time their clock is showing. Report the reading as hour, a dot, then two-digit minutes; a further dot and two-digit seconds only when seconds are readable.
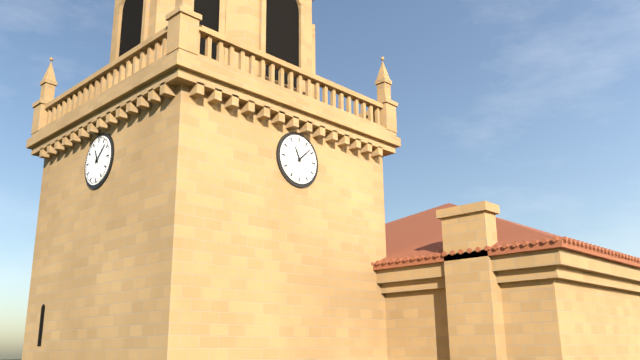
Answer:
11.08
